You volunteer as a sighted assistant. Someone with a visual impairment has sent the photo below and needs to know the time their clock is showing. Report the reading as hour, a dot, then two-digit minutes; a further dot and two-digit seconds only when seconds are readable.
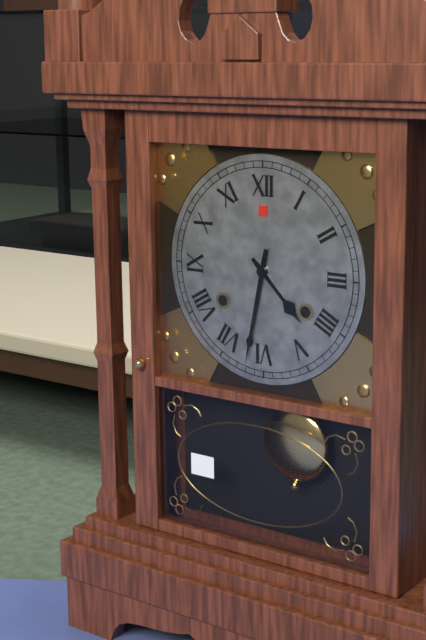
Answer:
4.32
